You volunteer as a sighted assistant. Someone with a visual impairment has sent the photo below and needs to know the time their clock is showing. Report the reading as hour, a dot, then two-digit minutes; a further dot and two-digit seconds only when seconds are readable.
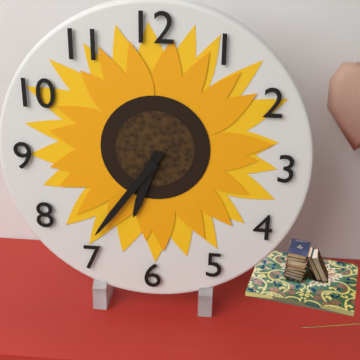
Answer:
6.36
